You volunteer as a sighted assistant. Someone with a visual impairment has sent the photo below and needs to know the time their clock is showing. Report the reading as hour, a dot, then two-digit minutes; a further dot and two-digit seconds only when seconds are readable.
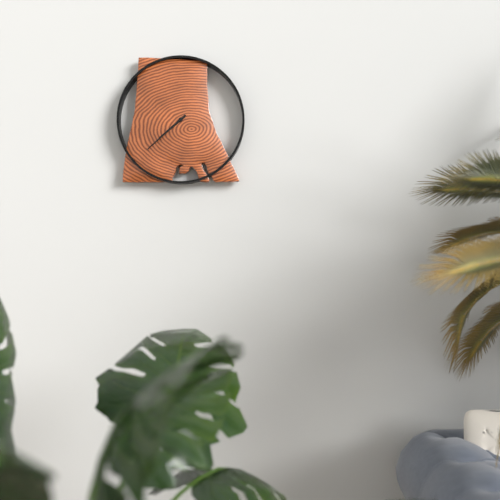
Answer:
7.38
